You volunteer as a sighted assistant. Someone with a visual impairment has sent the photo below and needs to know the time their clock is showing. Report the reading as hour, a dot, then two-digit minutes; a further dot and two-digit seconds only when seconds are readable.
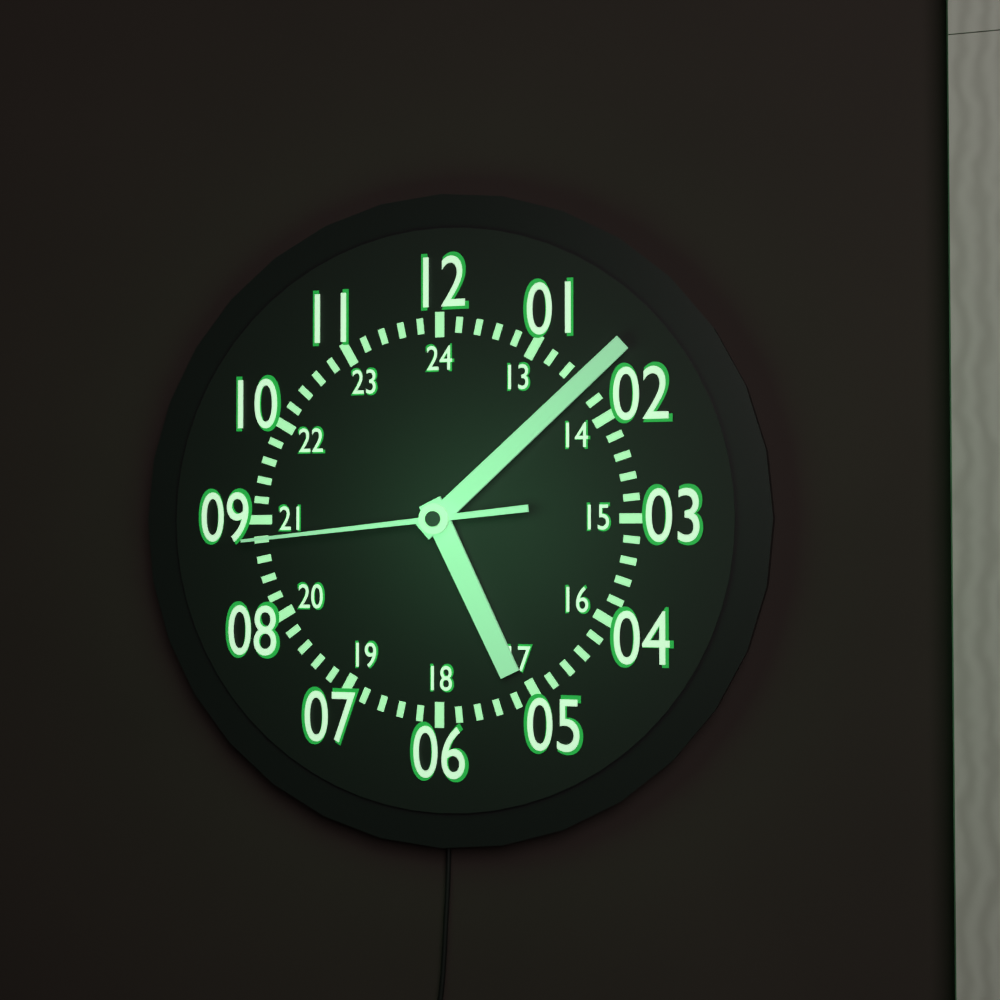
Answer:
5.08.44
